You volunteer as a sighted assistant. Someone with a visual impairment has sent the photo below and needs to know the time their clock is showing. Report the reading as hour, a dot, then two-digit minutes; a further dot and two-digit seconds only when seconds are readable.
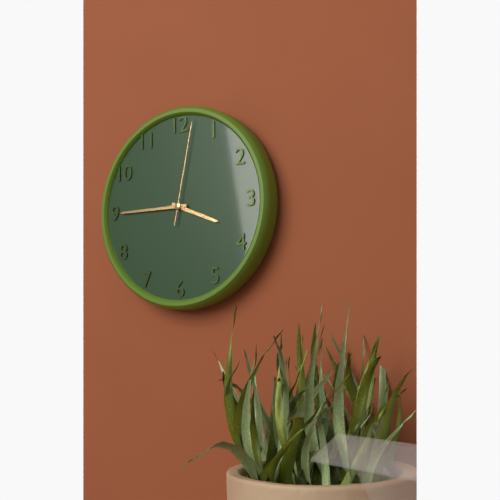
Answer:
3.45.02
